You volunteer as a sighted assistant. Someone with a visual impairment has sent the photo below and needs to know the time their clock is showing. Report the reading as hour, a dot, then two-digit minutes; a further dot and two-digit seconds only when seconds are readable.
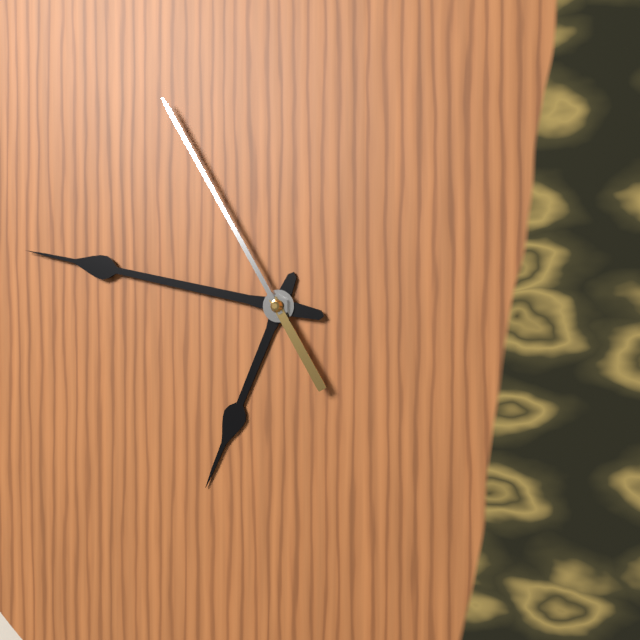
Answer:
6.47.55
